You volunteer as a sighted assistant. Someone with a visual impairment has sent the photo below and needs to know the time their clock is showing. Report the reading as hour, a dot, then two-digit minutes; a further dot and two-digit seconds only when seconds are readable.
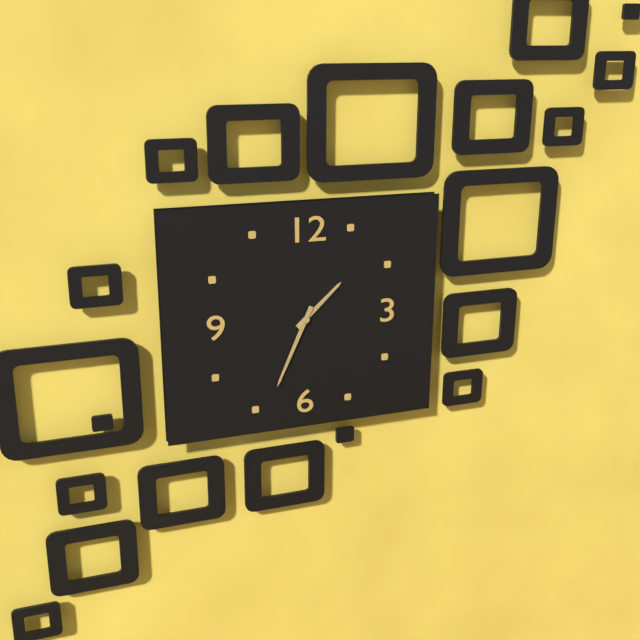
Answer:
1.34
